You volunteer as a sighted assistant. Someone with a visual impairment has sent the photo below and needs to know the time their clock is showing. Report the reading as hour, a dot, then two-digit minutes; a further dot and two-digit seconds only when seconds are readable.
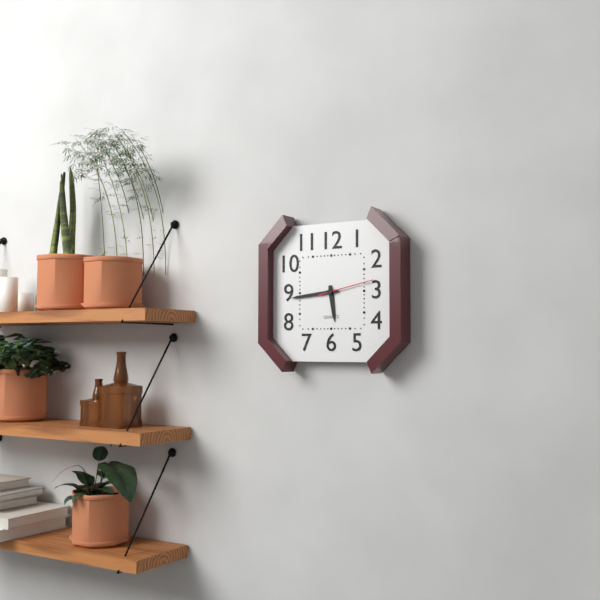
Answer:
5.44.13
